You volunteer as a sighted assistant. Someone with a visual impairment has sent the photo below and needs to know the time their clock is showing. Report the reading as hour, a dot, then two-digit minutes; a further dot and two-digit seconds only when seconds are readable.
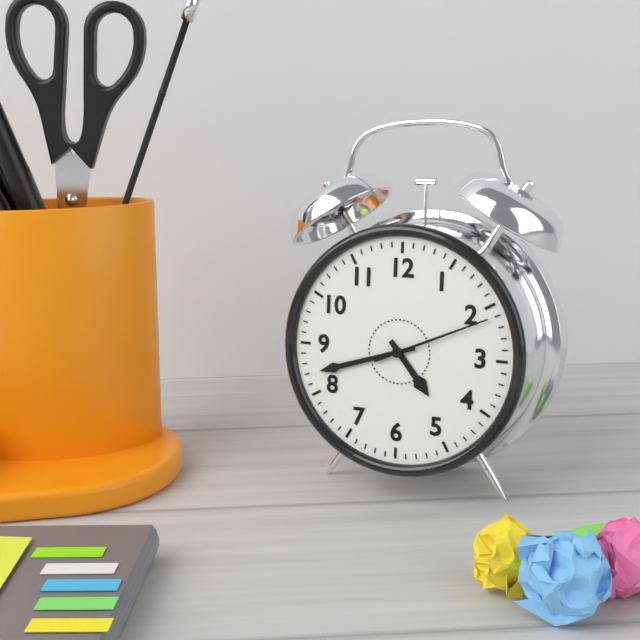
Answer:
4.42.11
